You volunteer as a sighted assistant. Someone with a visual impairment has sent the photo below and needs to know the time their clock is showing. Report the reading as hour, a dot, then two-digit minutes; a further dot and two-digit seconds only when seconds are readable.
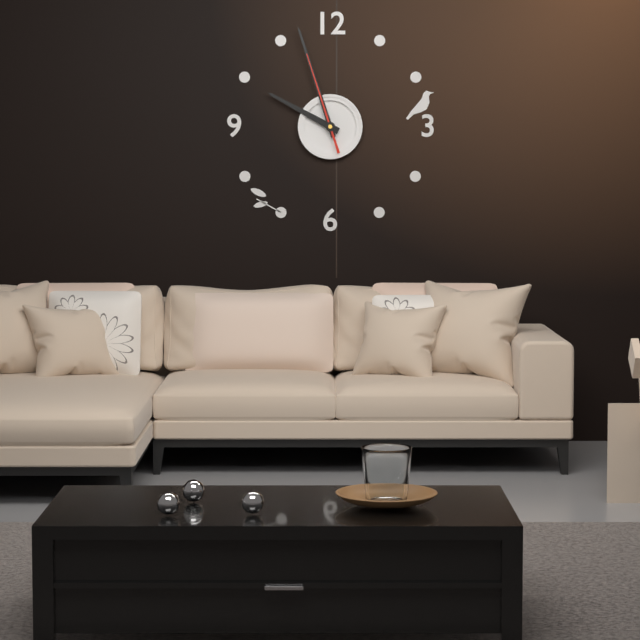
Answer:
9.57.57
